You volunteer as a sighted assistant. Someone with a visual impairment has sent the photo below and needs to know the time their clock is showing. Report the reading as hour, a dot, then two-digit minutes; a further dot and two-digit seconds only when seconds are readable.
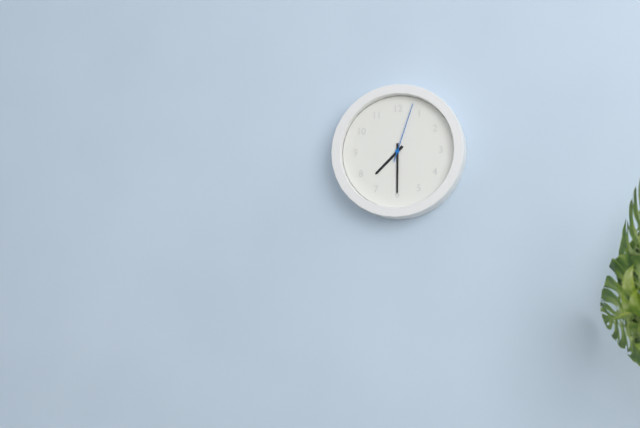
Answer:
7.30.03
